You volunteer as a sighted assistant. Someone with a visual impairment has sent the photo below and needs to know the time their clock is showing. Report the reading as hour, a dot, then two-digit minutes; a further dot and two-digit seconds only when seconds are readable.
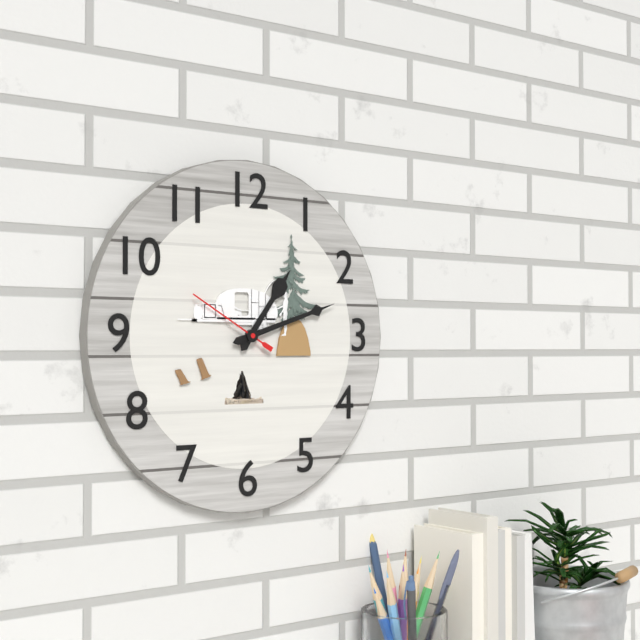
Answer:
1.12.50
